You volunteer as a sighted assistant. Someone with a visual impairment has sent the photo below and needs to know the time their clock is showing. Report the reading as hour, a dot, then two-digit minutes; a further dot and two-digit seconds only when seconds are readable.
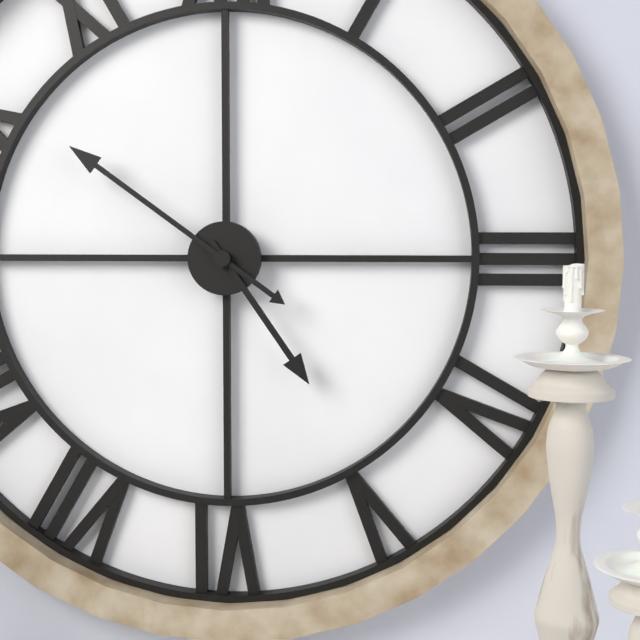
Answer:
4.51
